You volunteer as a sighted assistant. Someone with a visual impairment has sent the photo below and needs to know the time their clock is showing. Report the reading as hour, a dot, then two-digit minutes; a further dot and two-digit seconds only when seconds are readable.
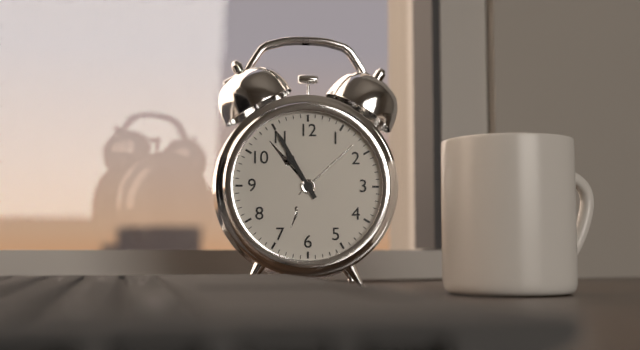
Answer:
10.55
